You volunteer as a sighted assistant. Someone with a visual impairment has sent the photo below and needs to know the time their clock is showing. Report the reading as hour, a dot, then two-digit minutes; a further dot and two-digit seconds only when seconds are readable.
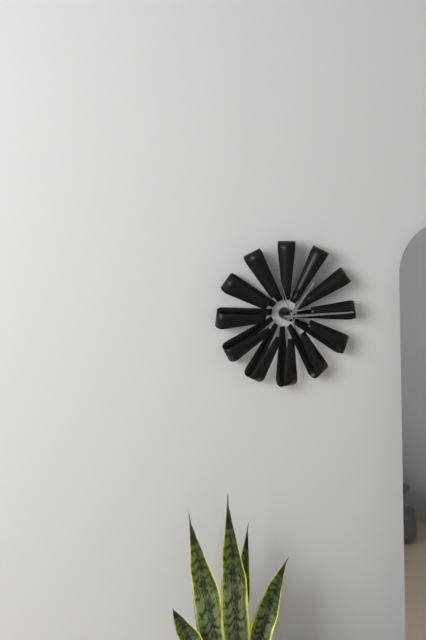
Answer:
1.15.57
